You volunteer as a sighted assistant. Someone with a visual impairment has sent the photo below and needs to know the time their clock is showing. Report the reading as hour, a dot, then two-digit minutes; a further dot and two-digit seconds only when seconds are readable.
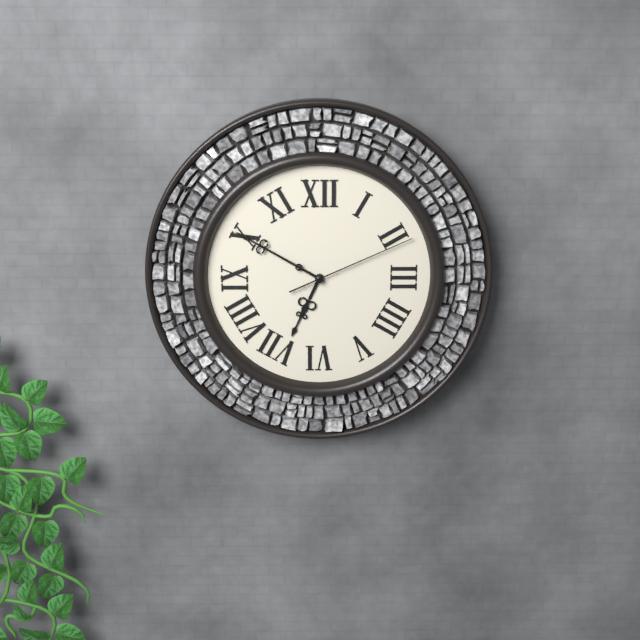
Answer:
6.50.11
